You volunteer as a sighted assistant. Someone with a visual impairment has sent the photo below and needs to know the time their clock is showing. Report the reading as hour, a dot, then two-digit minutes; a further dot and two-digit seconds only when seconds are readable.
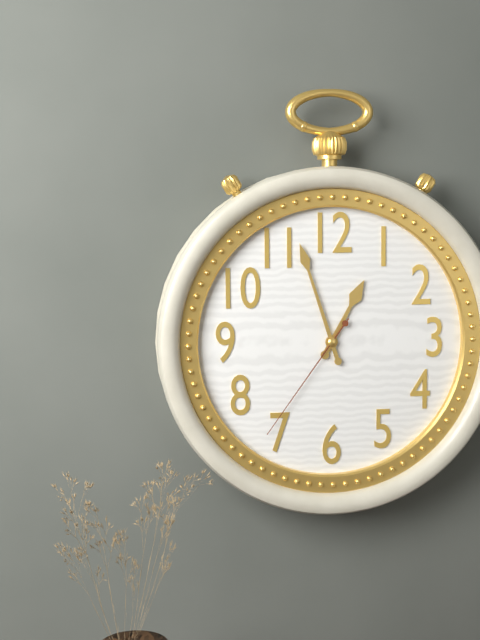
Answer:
12.57.36
